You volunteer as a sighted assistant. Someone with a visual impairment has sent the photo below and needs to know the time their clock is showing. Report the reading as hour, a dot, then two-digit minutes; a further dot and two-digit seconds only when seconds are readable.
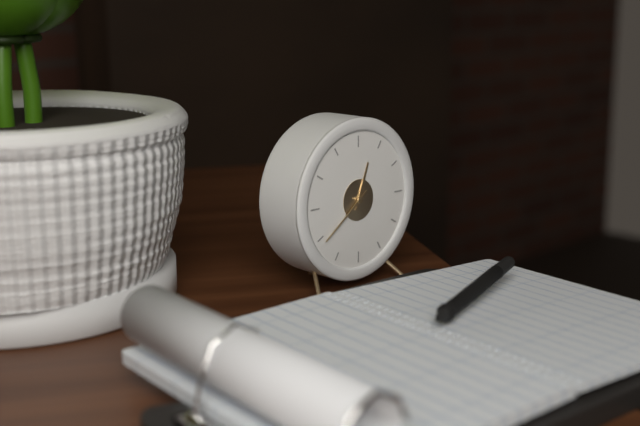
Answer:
12.39
